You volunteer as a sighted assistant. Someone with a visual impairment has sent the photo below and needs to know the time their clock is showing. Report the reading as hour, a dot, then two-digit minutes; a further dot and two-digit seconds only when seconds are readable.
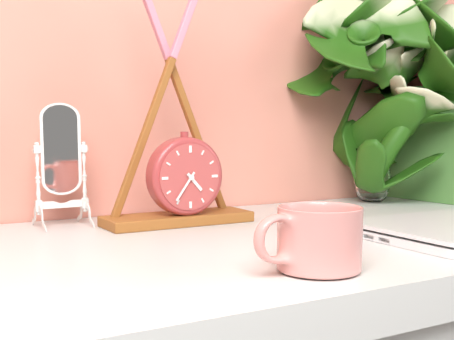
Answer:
4.36
